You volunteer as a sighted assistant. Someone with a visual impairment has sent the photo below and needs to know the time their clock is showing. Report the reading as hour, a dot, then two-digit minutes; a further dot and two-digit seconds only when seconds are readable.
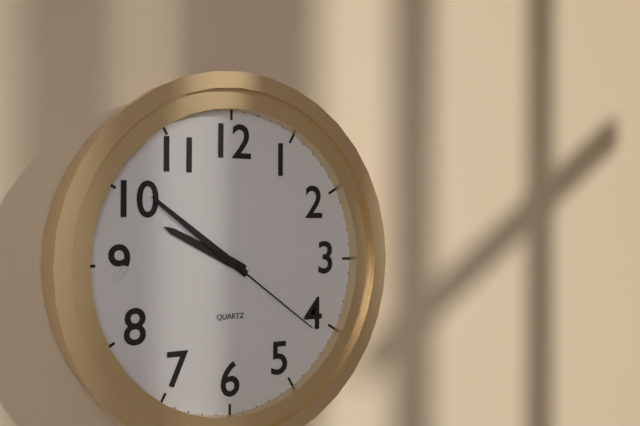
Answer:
9.51.21
